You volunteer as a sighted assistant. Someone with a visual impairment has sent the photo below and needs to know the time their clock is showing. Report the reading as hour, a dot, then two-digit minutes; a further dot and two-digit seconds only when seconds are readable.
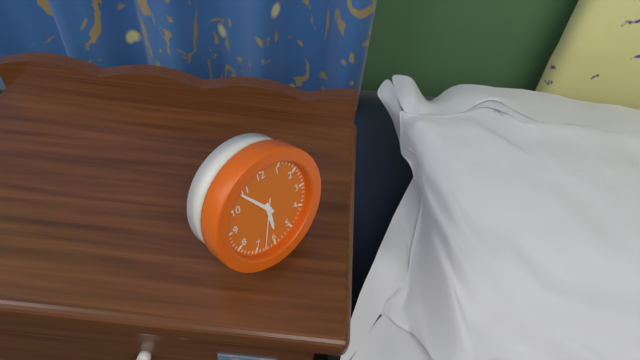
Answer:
5.54.33
